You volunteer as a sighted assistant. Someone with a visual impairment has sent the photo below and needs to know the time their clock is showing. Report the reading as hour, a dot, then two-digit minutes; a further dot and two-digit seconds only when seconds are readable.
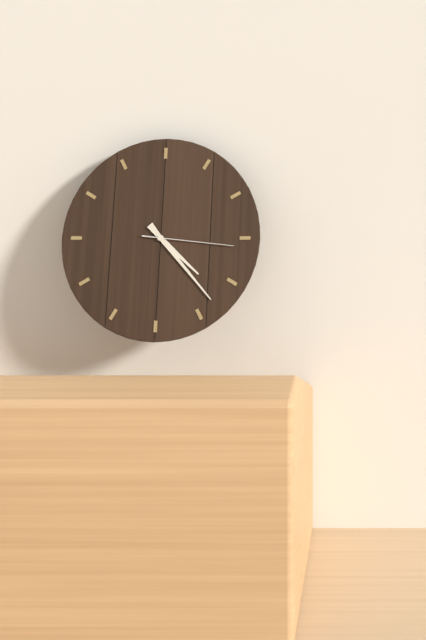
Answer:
4.23.16
